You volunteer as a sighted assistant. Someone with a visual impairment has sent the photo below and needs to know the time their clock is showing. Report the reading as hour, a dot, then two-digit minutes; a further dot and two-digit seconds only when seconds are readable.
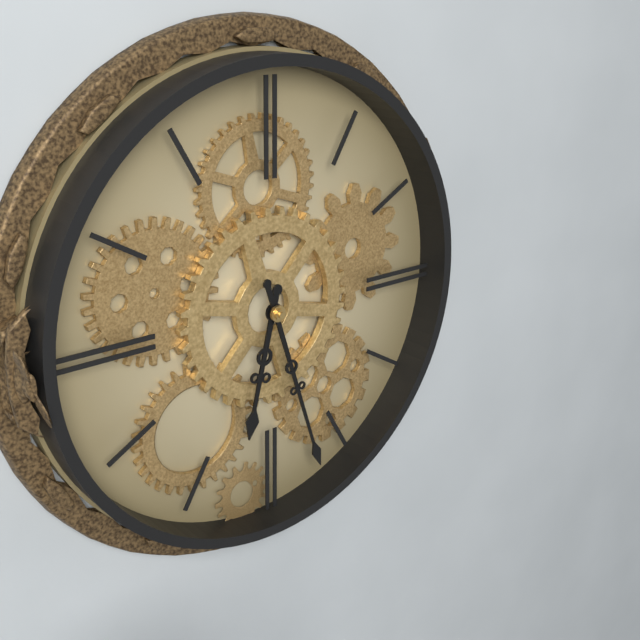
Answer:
6.27
